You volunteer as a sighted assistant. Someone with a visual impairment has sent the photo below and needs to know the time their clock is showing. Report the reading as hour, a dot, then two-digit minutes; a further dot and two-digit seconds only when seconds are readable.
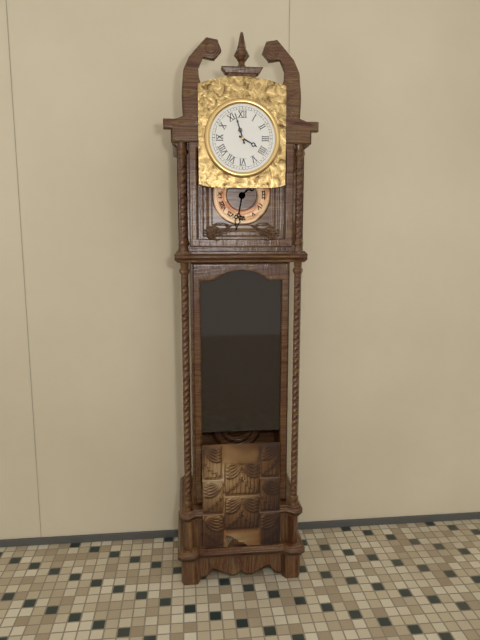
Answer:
3.57
